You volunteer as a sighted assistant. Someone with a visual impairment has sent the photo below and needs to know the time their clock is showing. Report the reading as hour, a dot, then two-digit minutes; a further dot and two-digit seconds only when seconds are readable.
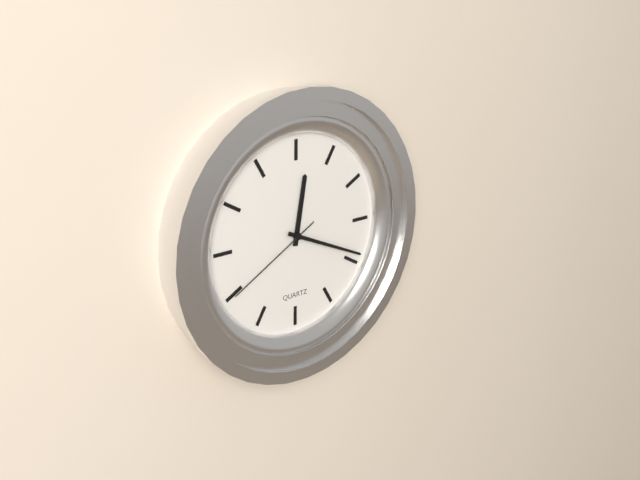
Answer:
12.19.40
